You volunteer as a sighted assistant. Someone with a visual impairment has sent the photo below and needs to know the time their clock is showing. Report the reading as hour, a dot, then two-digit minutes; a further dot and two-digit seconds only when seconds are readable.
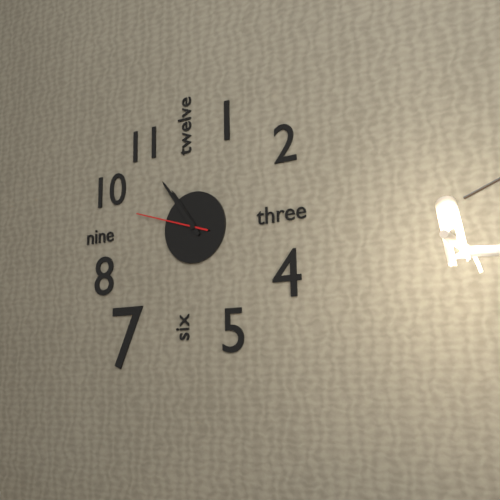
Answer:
10.54.48
